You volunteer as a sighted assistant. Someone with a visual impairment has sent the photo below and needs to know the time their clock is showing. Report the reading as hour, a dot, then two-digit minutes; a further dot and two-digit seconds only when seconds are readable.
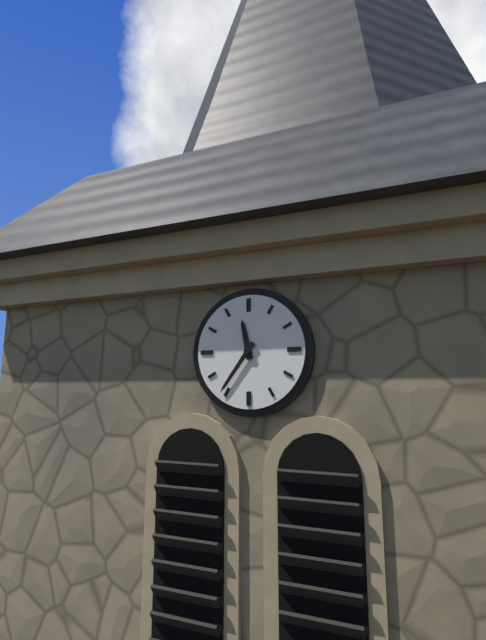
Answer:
11.36
